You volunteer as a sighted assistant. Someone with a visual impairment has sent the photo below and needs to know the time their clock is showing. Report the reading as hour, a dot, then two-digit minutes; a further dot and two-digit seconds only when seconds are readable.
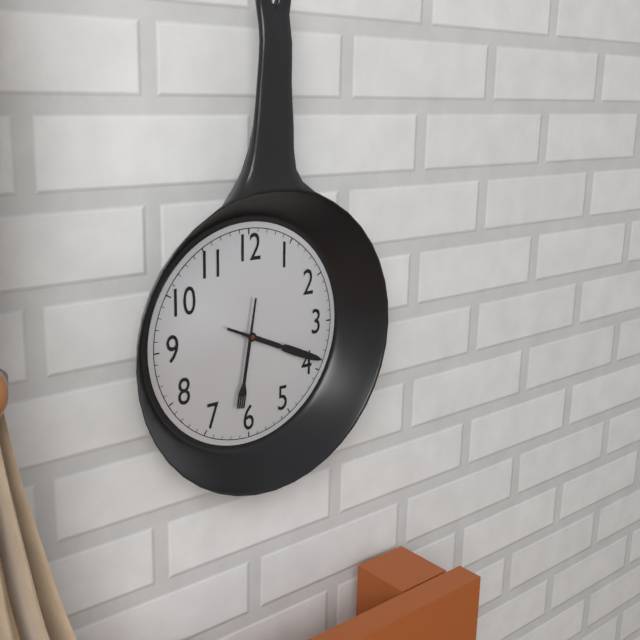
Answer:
6.19
